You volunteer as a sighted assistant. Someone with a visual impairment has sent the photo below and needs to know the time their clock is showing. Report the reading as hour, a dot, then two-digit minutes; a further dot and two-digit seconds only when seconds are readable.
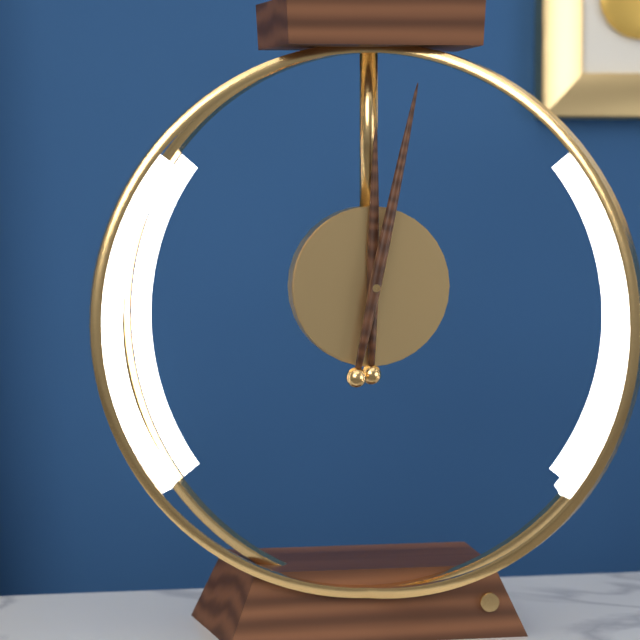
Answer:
12.02
